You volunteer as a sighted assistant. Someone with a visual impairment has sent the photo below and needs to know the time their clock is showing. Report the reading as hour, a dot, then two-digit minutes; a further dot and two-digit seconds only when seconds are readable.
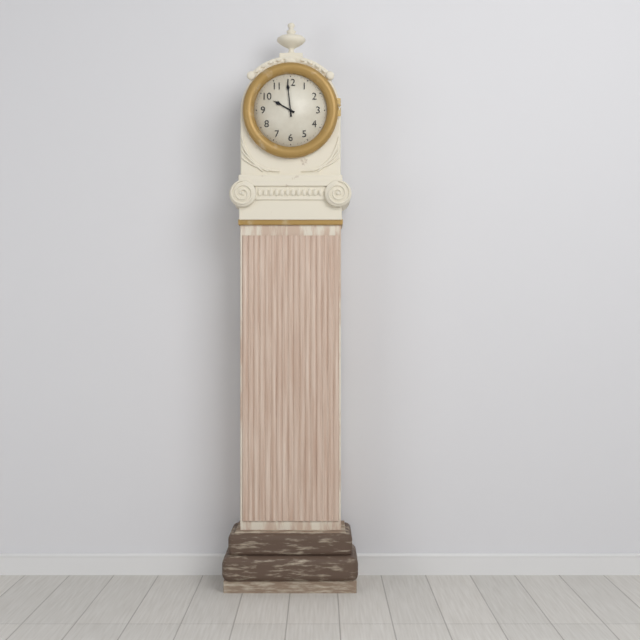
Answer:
9.59
